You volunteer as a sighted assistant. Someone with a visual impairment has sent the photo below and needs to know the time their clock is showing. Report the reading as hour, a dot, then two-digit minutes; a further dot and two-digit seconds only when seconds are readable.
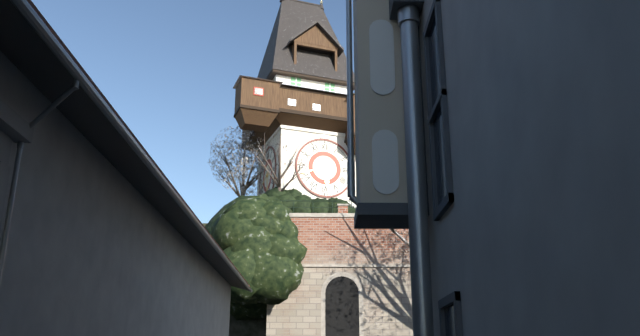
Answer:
5.42
